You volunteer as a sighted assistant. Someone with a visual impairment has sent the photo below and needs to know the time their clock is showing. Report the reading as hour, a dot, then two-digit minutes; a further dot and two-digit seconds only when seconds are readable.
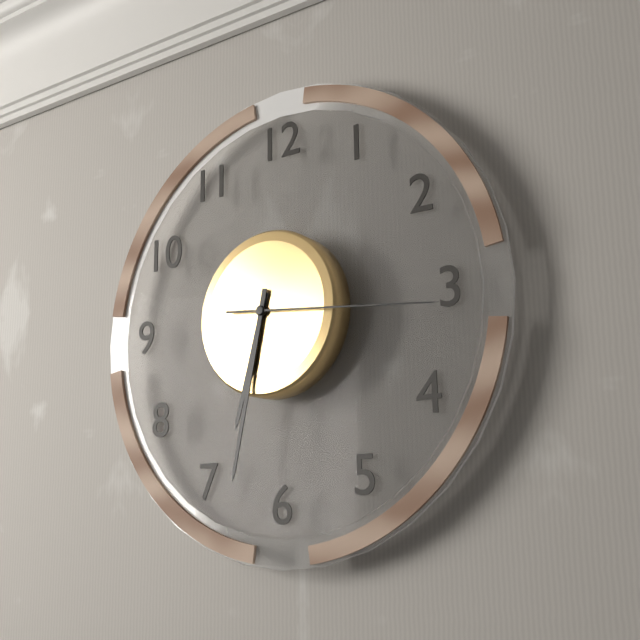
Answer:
6.32.16
